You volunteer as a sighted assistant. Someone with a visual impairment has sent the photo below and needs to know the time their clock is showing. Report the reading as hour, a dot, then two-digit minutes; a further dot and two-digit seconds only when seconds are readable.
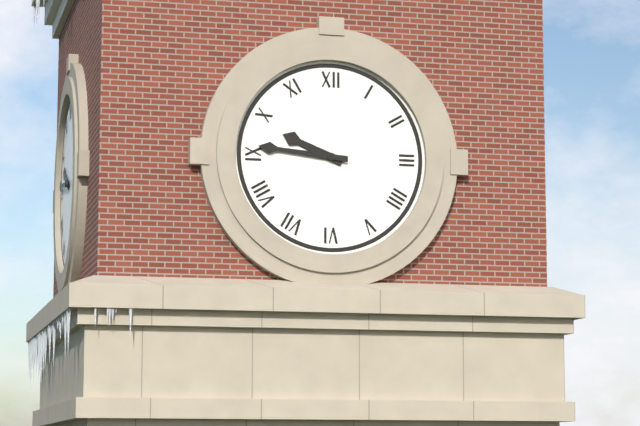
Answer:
9.46
